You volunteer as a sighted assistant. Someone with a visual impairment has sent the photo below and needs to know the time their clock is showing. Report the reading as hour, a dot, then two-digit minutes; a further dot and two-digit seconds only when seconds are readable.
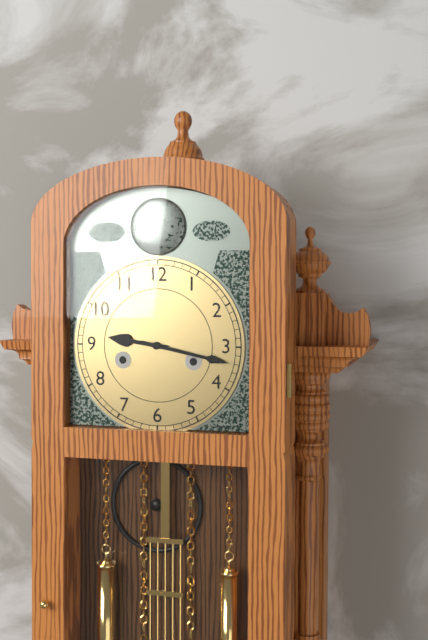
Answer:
9.17
